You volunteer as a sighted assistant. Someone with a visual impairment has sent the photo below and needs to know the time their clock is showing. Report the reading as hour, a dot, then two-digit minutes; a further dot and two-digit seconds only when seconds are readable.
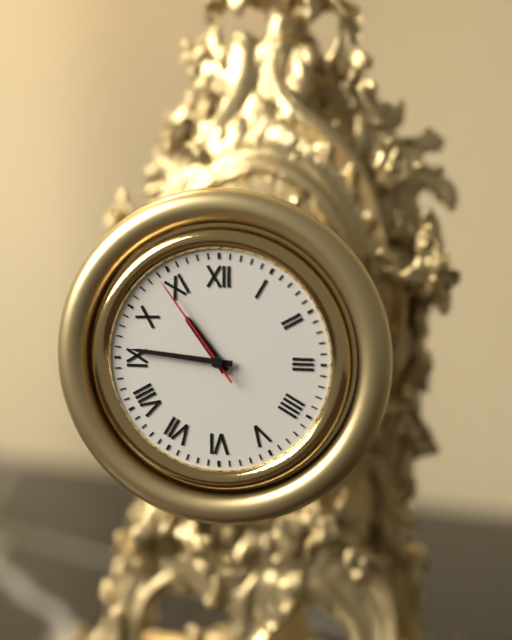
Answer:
10.46.54
